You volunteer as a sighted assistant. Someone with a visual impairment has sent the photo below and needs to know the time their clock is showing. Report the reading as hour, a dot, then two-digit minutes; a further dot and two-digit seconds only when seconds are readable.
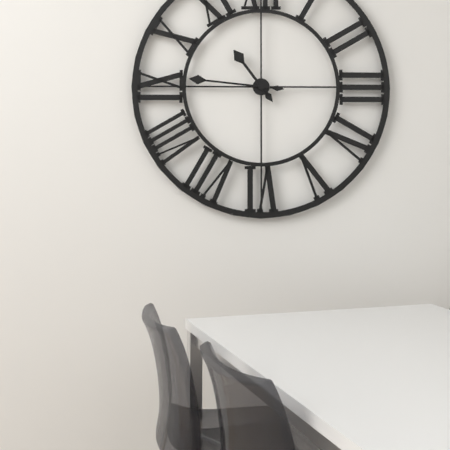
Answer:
10.46
